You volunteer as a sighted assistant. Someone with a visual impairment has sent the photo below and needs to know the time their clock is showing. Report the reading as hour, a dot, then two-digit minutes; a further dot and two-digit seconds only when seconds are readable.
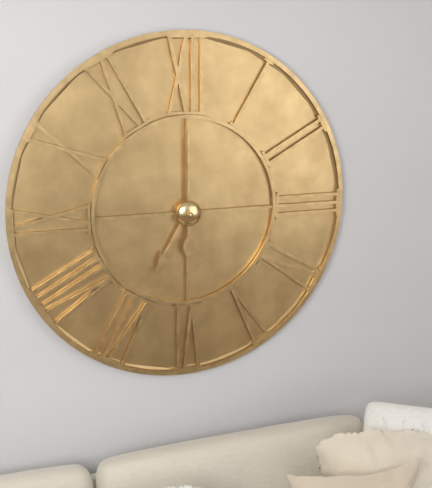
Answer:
7.00
